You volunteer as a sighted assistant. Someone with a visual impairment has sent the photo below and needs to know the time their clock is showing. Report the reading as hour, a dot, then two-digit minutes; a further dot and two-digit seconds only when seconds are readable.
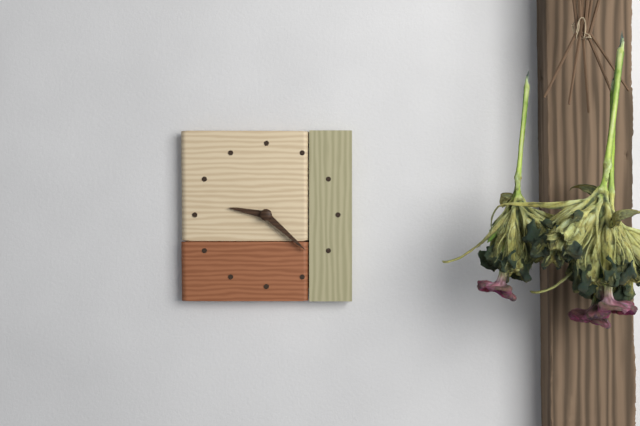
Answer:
9.22
